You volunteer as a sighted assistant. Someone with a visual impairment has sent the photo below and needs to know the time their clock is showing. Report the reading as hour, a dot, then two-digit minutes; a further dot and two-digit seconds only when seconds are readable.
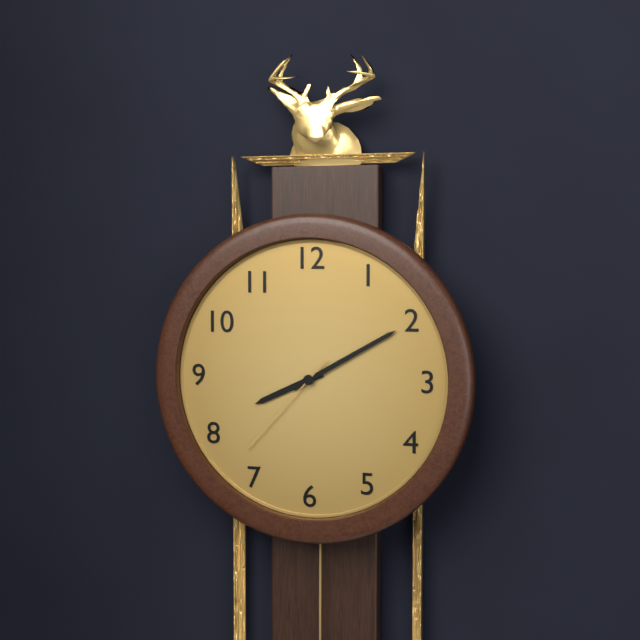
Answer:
8.10.37
